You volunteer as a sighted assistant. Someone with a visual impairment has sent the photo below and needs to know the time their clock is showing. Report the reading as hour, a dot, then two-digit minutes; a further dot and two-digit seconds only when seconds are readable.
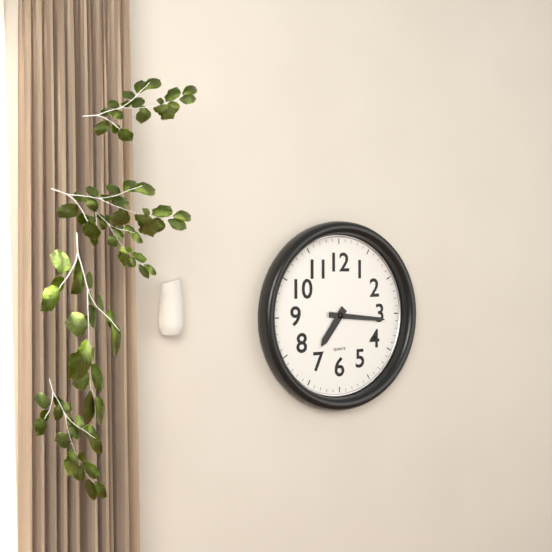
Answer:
7.16
